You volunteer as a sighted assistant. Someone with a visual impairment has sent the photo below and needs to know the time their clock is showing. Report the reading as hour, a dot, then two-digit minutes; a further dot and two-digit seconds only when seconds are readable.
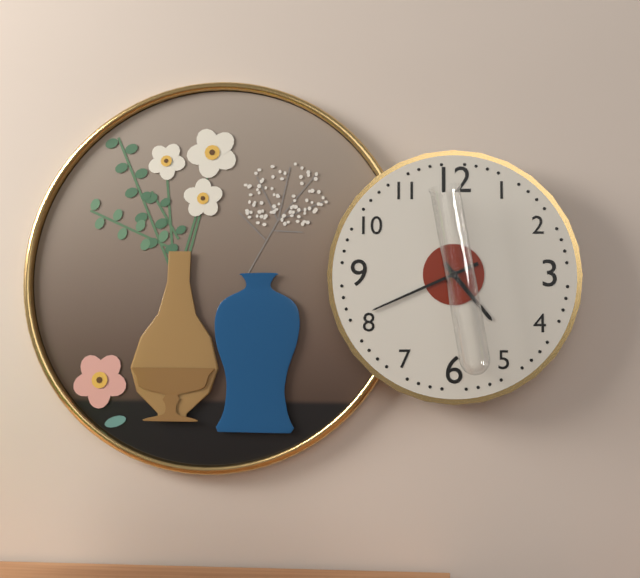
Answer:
4.41
